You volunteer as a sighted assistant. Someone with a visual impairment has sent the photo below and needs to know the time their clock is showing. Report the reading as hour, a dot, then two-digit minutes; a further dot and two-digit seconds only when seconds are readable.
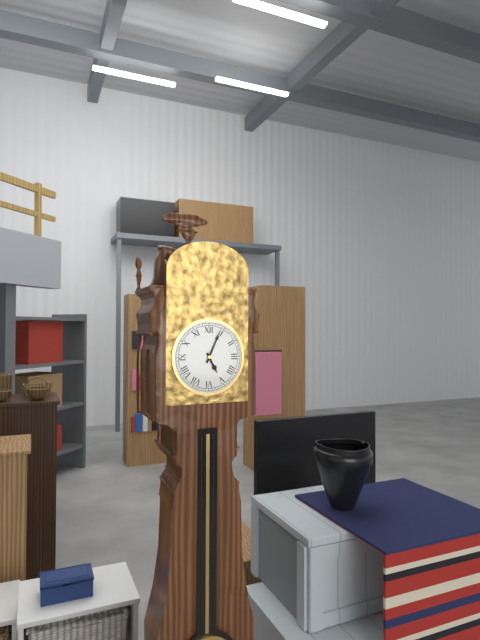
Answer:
5.04
